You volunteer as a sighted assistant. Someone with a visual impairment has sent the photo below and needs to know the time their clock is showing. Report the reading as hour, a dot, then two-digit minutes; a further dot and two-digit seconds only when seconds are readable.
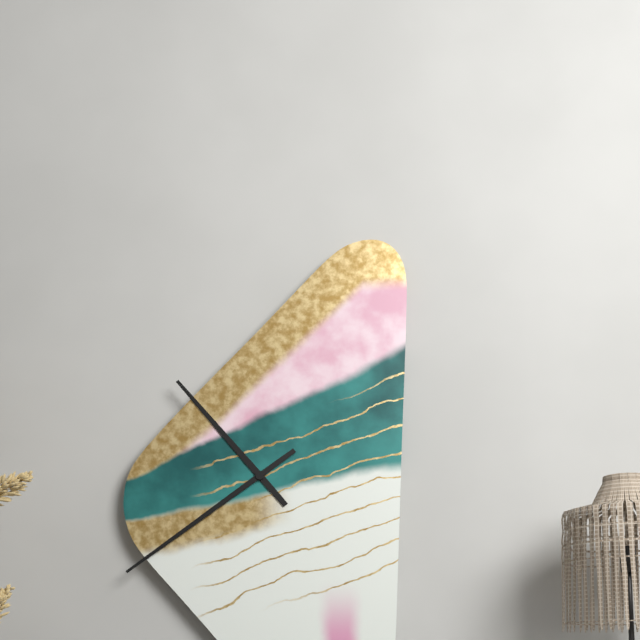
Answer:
10.39
